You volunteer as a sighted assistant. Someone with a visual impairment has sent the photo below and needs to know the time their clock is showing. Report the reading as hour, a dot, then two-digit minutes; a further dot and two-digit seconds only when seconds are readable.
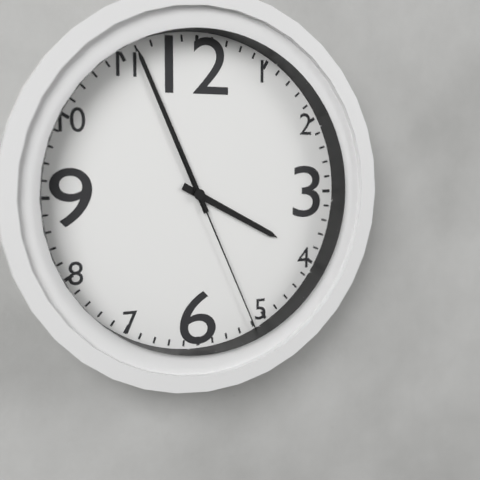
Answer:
3.56.26
